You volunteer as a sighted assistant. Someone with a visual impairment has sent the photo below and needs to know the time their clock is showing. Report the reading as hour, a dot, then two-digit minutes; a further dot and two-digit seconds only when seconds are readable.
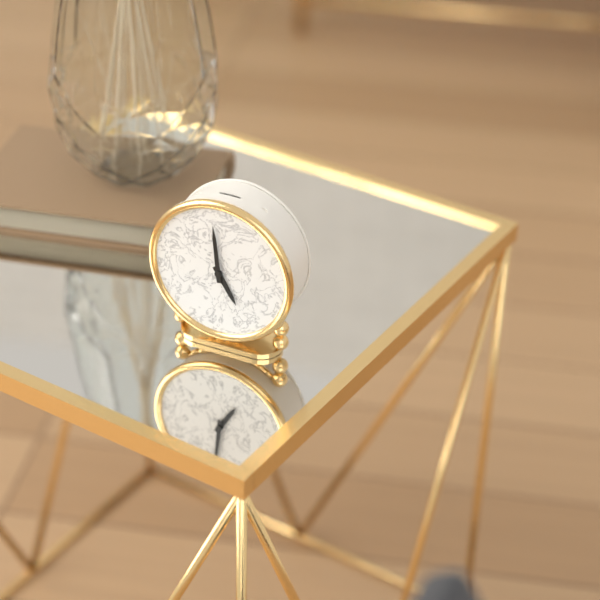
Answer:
4.59
